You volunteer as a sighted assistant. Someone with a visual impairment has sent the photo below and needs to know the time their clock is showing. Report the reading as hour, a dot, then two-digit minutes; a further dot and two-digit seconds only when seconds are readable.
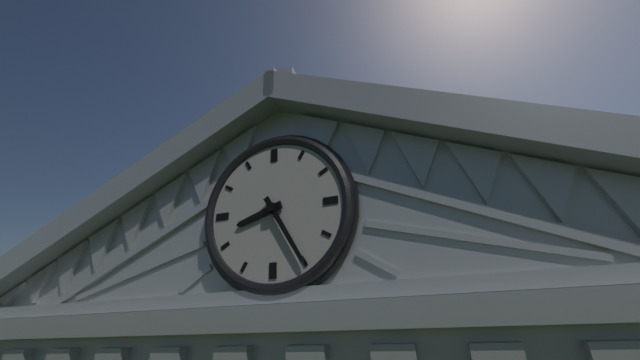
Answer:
8.25
